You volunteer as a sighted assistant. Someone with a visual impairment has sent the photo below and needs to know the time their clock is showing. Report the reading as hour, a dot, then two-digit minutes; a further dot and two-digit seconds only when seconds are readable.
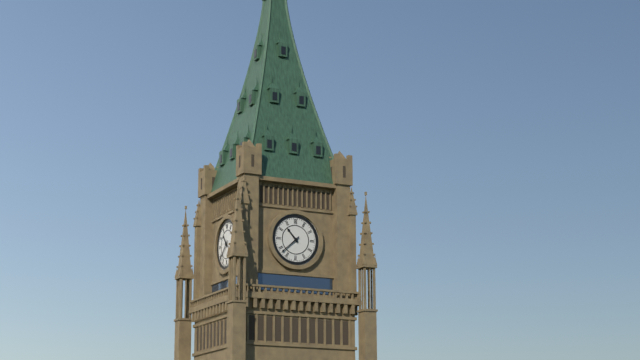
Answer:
10.38
